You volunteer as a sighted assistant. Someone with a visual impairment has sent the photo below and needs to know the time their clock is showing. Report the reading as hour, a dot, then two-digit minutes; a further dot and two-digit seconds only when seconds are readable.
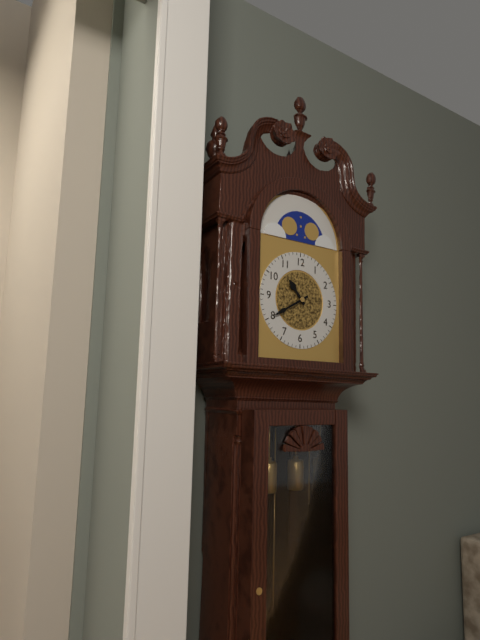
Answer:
10.40
